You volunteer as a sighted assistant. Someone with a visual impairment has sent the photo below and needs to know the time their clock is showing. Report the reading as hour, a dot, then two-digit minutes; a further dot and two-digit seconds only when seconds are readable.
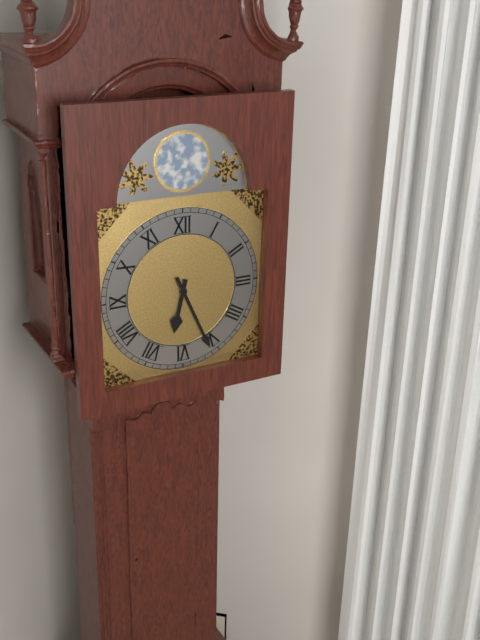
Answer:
6.26
